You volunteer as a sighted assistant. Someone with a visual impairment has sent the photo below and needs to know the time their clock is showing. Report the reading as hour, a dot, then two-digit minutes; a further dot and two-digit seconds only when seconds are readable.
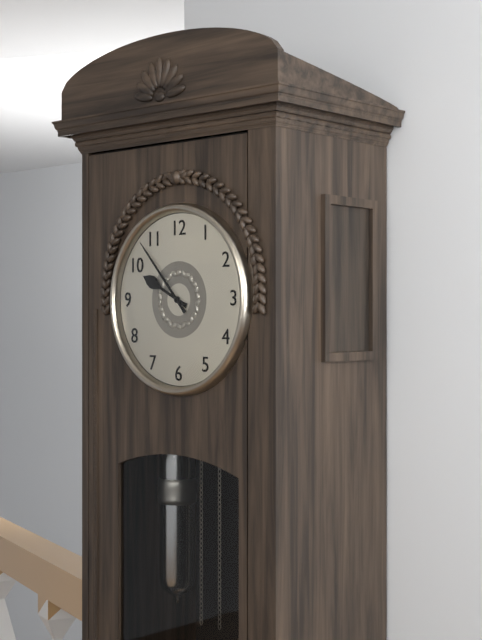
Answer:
9.53
